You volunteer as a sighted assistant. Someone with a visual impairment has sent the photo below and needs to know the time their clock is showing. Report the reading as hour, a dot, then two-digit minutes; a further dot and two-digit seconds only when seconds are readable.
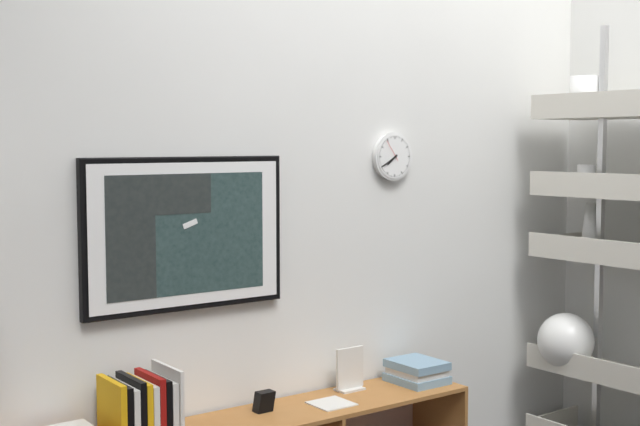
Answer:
7.40
